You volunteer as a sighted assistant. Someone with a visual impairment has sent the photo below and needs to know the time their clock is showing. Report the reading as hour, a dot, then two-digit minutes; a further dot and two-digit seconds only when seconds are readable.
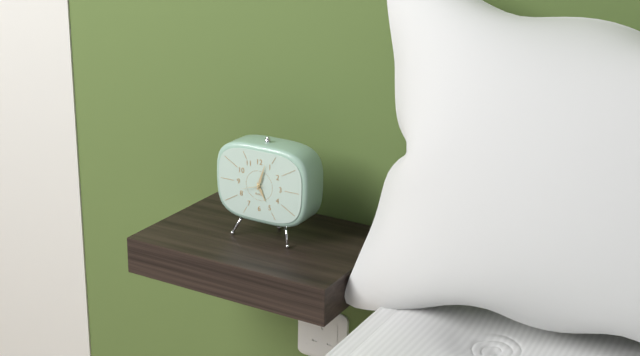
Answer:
5.03
